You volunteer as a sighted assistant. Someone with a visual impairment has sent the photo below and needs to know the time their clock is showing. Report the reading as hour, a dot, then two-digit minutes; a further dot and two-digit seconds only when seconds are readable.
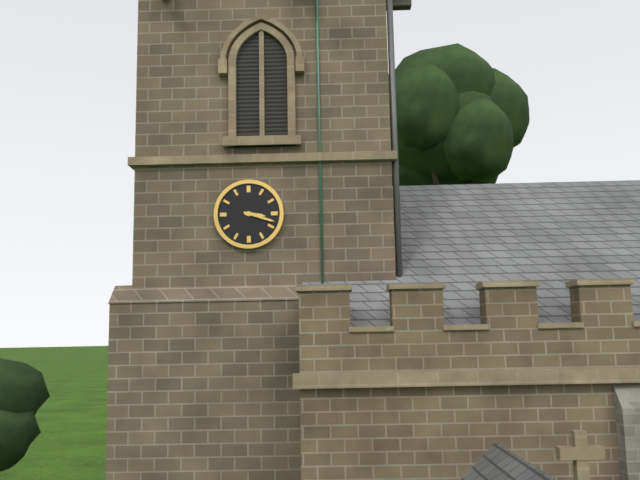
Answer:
3.18
